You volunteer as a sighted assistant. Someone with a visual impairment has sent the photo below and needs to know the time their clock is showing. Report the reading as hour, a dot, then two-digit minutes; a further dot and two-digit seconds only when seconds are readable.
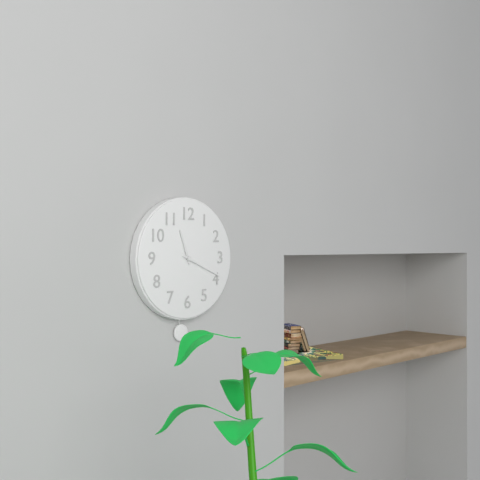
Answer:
11.19
